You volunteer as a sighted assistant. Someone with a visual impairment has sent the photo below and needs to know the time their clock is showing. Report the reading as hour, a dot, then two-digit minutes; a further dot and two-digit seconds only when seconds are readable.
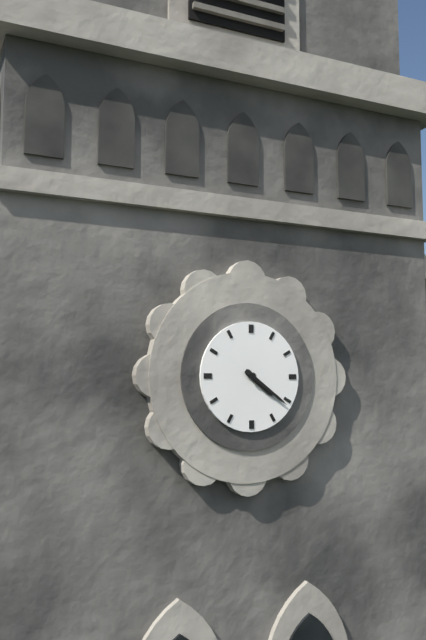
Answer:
4.21
